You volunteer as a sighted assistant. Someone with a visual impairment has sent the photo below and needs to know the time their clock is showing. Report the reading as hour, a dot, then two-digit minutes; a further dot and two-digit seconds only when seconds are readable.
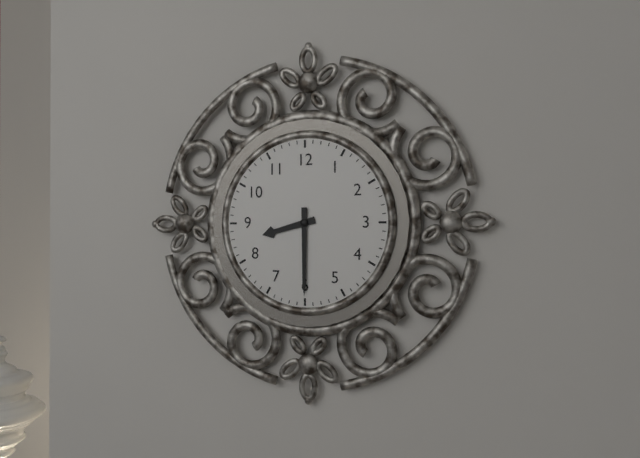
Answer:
8.30
